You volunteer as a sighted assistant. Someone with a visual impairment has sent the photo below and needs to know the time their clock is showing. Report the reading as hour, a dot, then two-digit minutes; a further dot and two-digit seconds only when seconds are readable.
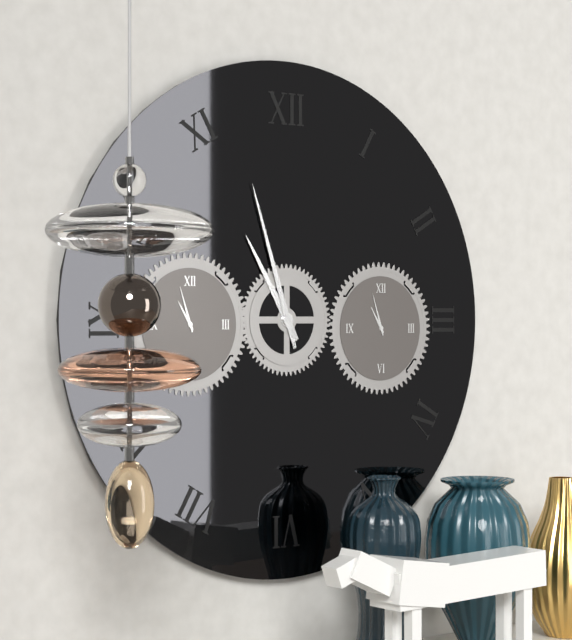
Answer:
10.57
